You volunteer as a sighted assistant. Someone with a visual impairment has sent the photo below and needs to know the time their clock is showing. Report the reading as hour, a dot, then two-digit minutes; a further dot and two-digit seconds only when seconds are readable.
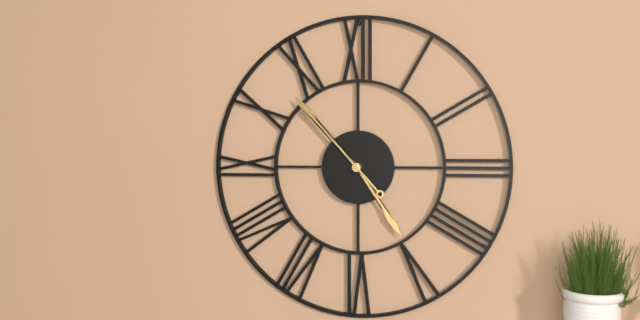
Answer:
4.53
